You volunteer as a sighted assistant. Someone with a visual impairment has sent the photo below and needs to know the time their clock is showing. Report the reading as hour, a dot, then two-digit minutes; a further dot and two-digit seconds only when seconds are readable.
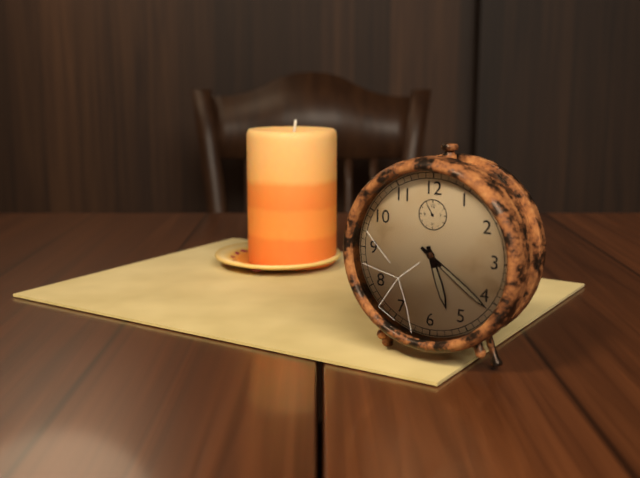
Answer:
5.21
